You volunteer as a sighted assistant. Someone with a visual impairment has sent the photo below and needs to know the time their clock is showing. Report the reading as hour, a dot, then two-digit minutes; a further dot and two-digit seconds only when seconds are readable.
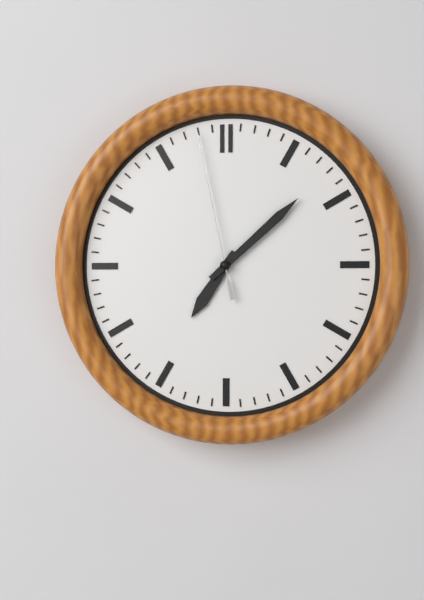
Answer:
7.08.58
